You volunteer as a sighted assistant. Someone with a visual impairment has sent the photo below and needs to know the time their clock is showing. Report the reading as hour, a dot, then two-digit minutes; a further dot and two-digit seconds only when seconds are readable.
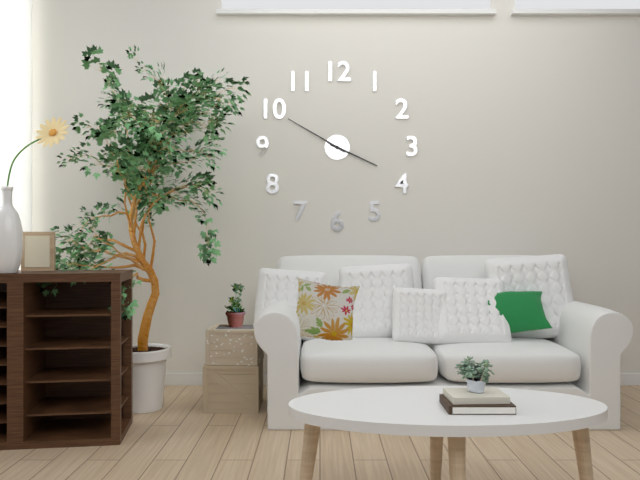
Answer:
3.50
